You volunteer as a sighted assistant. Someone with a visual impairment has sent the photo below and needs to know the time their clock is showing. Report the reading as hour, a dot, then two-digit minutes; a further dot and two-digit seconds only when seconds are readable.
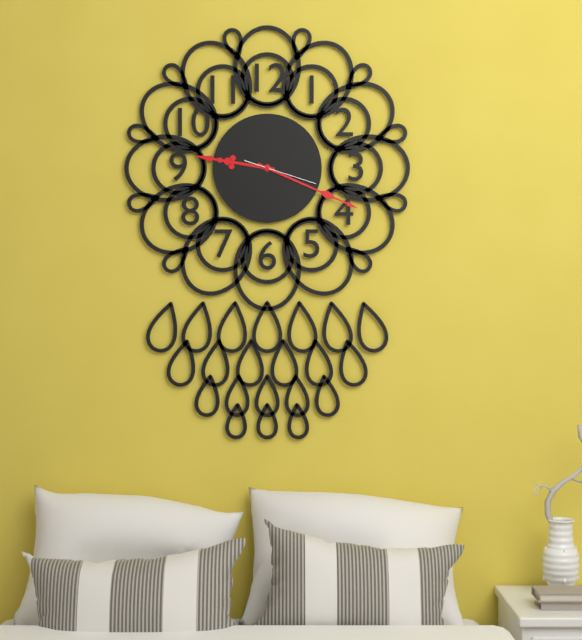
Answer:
9.19.18
